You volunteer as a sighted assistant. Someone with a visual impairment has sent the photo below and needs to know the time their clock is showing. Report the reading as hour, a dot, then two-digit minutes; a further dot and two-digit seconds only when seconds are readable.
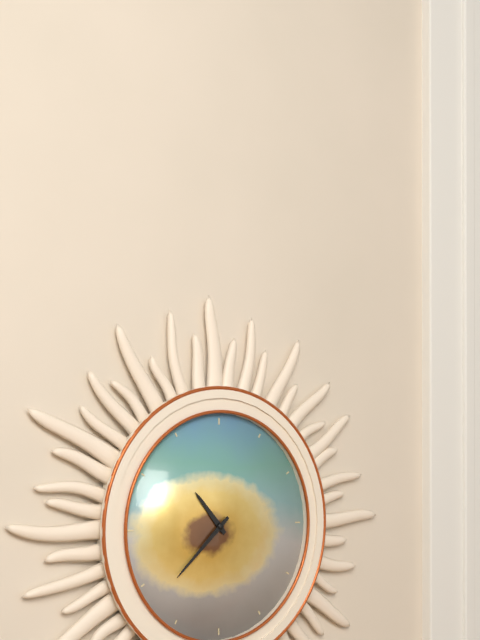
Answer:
10.38
